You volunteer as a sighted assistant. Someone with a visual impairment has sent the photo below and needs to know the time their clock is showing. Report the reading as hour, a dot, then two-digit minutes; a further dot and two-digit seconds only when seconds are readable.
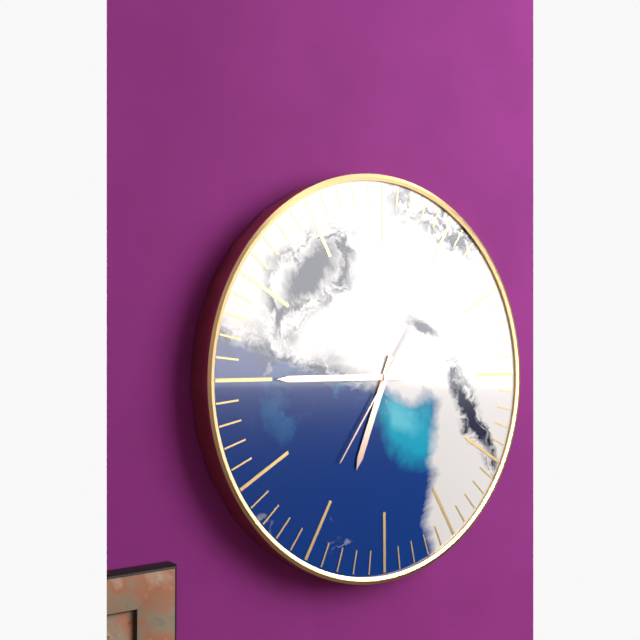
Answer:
6.45.36
